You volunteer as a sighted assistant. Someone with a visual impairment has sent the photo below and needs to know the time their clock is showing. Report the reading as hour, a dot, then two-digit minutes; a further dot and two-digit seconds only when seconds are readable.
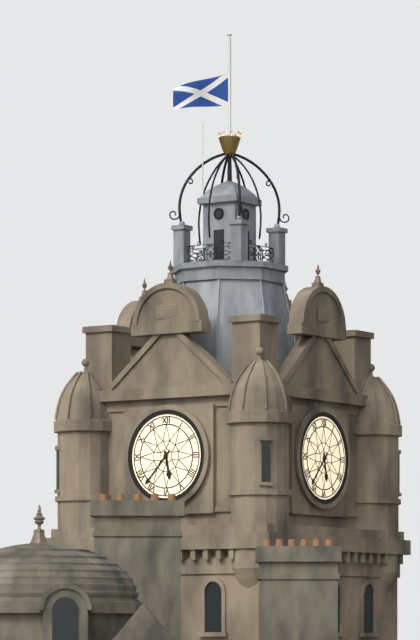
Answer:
5.37
